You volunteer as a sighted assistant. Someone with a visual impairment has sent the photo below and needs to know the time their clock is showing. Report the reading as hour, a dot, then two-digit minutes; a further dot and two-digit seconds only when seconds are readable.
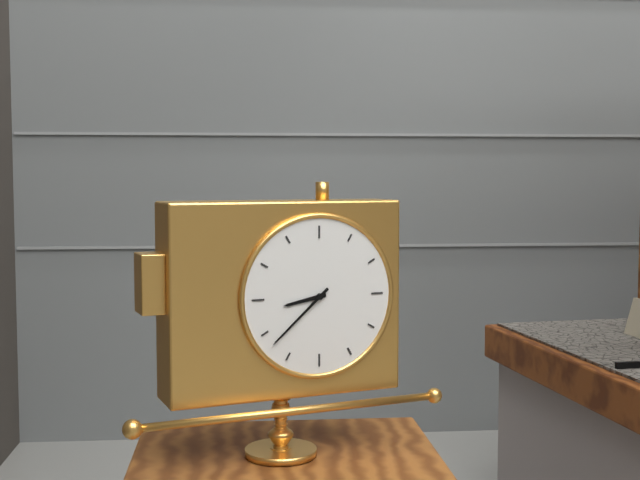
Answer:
8.38
